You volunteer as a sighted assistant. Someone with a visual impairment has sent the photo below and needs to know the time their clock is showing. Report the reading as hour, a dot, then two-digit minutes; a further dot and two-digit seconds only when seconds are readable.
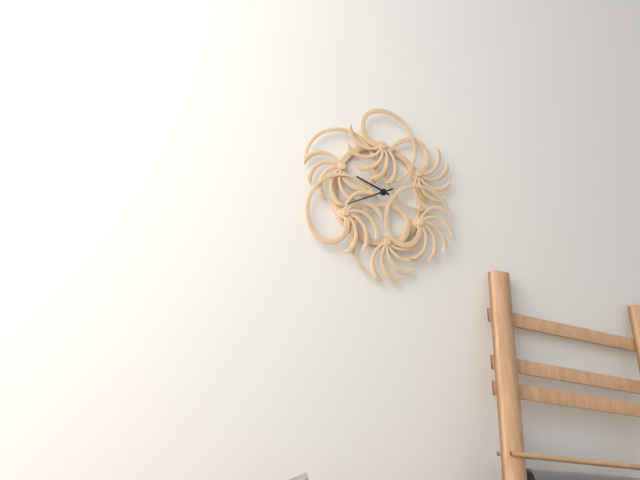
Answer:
9.41
